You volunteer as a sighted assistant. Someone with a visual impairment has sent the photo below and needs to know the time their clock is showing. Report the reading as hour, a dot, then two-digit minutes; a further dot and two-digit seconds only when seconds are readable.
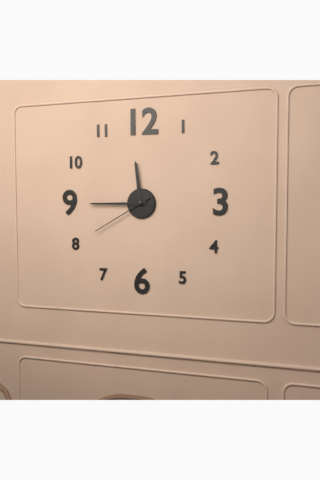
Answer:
11.45.40
